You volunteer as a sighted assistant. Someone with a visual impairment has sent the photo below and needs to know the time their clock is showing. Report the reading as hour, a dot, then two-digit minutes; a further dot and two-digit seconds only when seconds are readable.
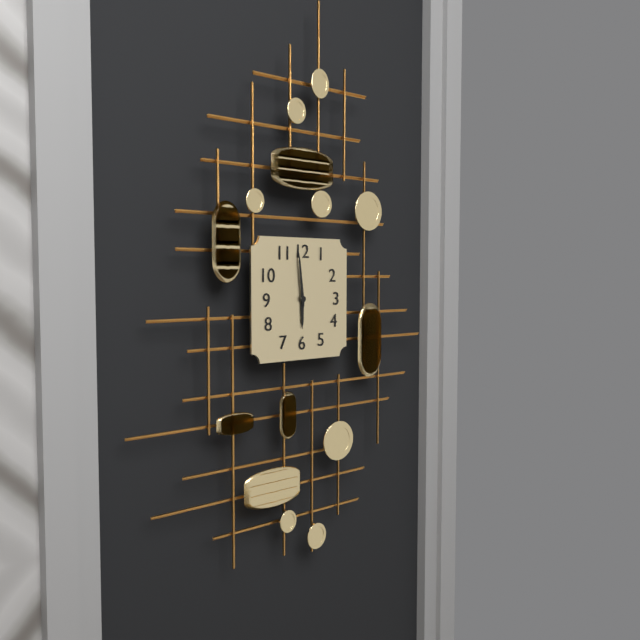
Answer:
5.59
